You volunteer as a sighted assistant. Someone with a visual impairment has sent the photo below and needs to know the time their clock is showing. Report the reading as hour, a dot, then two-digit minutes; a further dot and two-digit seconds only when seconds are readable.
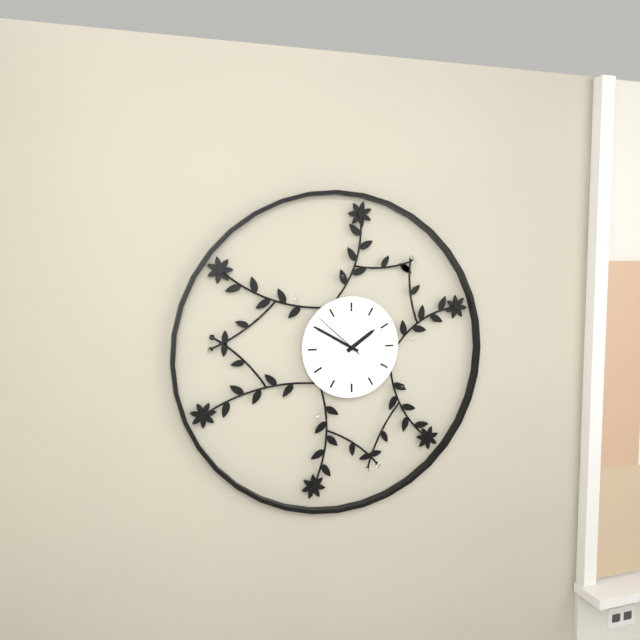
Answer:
1.50.52
